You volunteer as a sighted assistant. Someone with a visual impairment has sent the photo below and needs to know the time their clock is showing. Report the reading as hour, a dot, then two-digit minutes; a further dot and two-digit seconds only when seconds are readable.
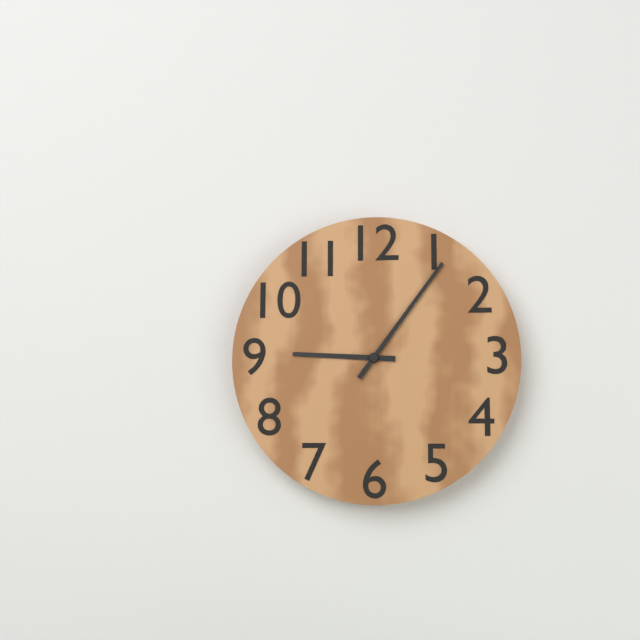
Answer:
9.06
